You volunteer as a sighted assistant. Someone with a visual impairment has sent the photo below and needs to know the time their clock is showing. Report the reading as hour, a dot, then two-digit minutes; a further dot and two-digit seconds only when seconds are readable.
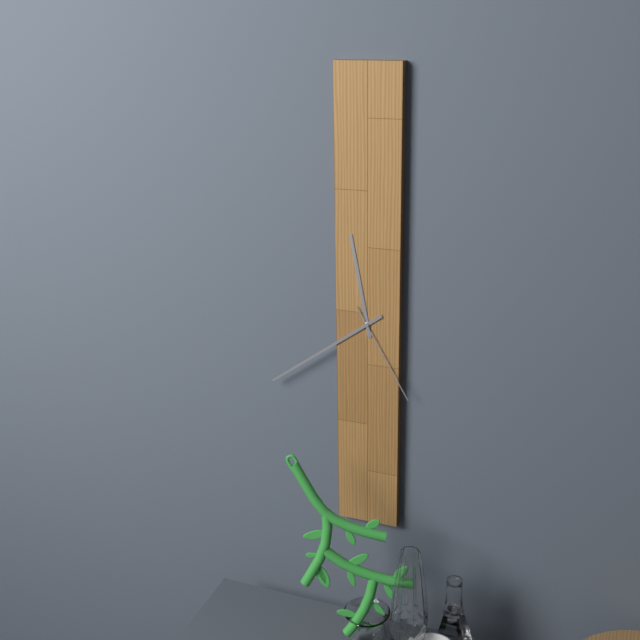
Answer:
11.39.25
